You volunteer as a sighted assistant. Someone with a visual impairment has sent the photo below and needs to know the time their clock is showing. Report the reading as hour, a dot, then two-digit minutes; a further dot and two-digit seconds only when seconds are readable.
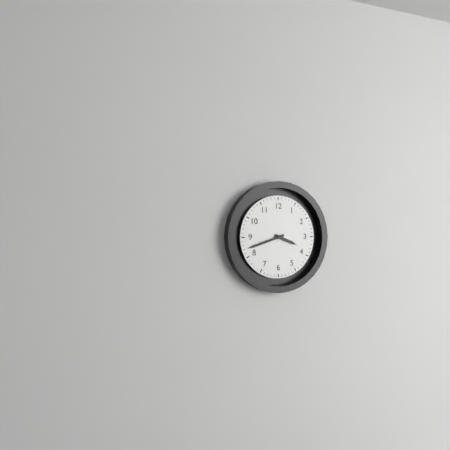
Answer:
3.42
